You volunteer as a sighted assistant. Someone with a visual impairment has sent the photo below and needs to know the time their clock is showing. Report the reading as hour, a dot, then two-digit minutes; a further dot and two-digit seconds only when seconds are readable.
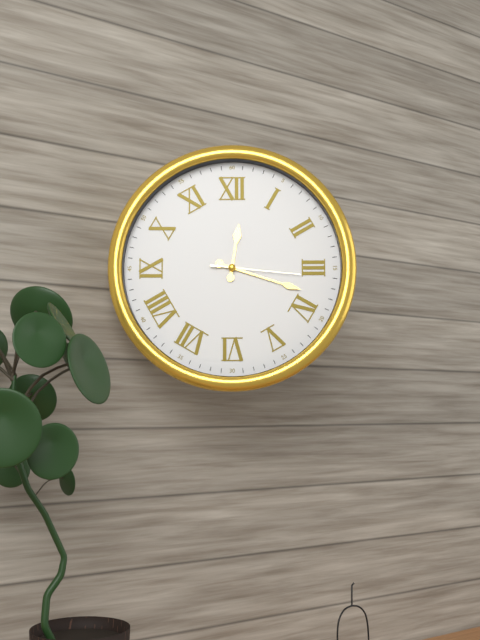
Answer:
12.18.16
